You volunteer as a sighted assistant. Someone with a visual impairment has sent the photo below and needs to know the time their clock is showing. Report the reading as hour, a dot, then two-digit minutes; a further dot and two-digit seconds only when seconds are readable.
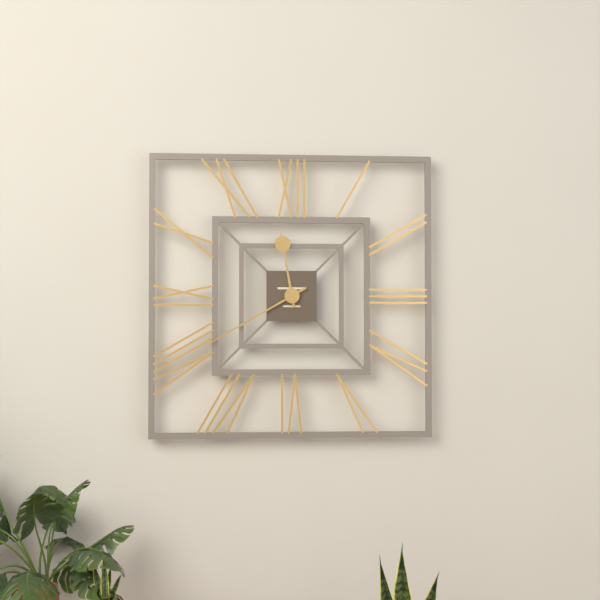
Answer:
11.40
